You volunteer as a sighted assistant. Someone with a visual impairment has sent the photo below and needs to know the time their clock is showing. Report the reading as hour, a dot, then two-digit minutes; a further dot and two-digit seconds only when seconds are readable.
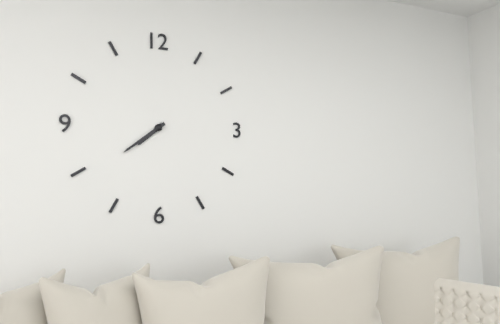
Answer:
7.39
